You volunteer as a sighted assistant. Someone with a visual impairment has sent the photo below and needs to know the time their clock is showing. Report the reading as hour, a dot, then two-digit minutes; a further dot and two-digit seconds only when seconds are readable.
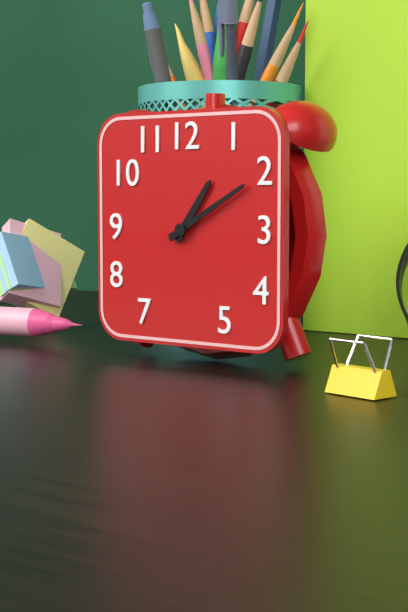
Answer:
1.10
